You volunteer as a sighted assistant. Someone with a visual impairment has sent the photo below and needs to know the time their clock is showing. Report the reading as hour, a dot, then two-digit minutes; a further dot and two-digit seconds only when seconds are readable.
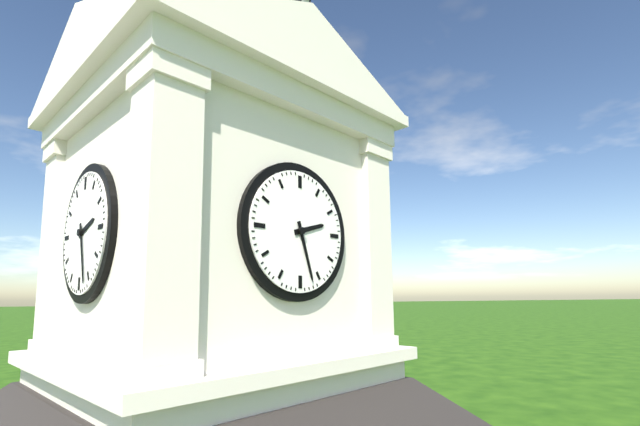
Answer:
2.27
